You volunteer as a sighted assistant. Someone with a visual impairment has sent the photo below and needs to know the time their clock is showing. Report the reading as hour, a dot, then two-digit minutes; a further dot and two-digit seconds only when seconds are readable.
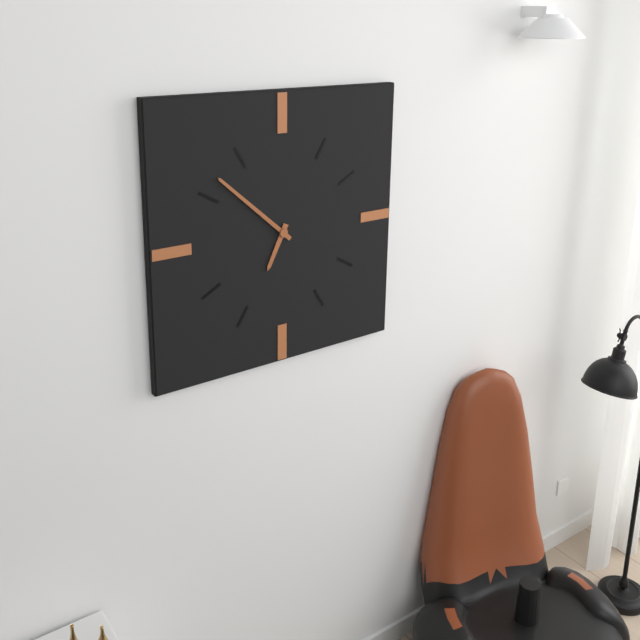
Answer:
6.52
